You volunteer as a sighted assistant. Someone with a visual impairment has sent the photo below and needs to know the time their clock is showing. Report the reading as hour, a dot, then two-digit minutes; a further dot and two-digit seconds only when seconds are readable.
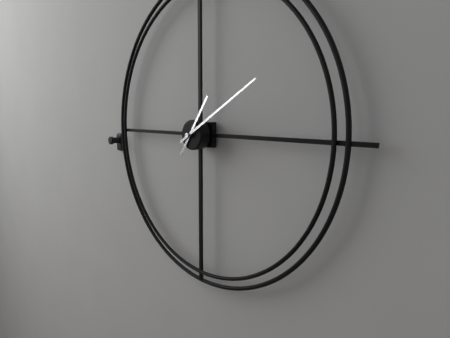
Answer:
1.10
